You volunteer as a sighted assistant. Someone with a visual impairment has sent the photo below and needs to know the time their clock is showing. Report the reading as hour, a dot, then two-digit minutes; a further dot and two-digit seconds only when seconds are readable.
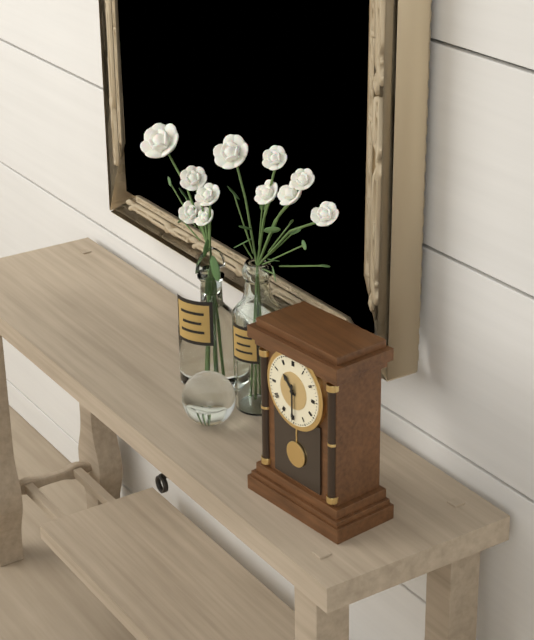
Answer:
10.30
